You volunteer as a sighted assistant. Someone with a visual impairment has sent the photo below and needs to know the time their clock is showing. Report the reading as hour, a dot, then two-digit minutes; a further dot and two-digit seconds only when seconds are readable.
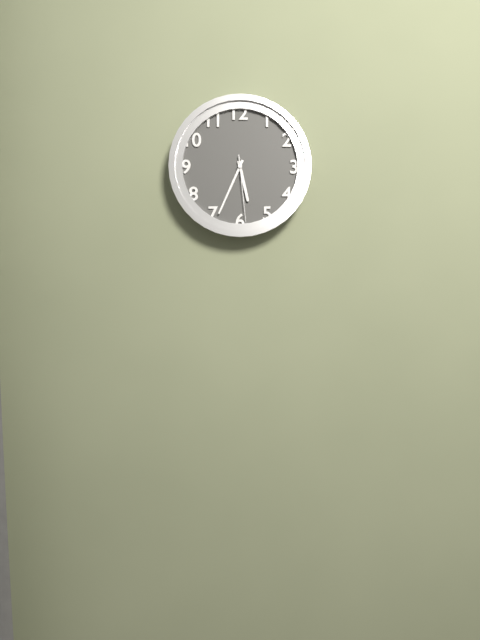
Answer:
5.34.29
